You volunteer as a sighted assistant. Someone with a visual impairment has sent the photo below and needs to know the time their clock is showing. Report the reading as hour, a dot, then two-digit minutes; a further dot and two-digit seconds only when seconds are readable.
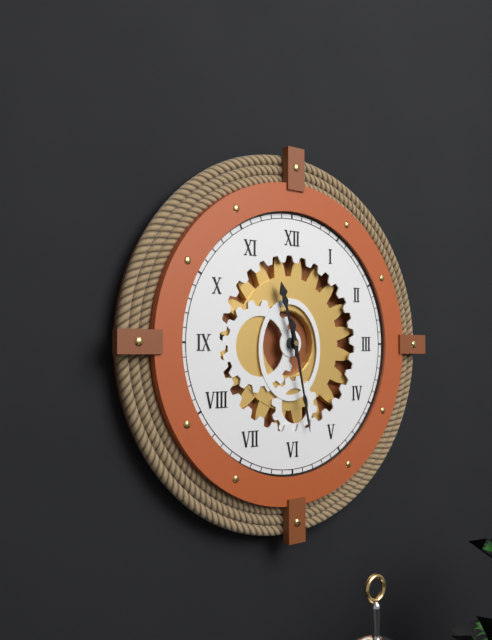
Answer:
11.28
